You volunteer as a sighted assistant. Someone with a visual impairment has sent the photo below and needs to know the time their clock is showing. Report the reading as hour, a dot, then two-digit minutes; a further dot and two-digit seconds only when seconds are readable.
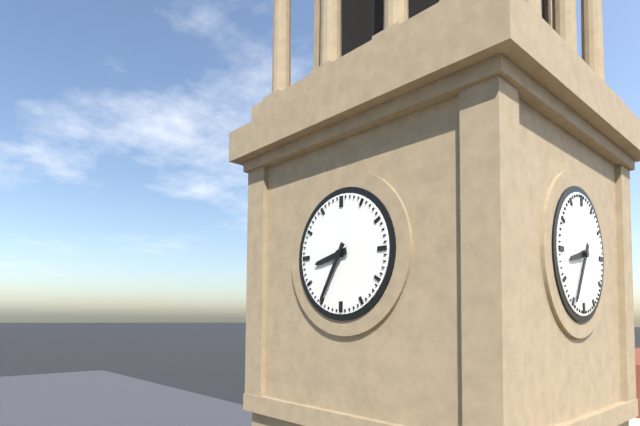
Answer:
8.35
